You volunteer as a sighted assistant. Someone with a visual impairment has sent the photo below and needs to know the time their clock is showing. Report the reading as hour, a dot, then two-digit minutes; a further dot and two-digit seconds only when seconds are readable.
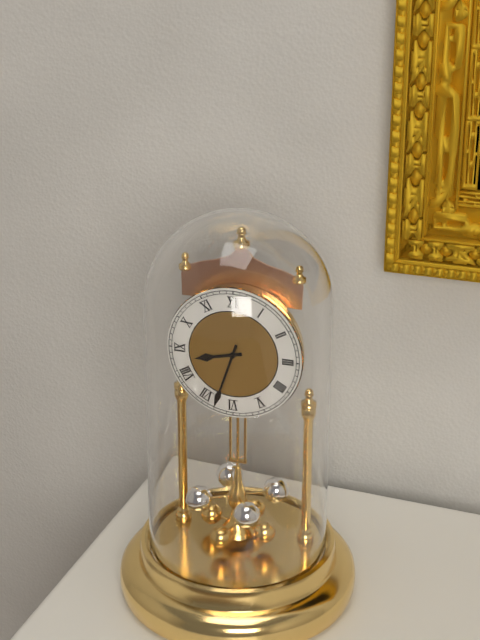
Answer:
8.33
